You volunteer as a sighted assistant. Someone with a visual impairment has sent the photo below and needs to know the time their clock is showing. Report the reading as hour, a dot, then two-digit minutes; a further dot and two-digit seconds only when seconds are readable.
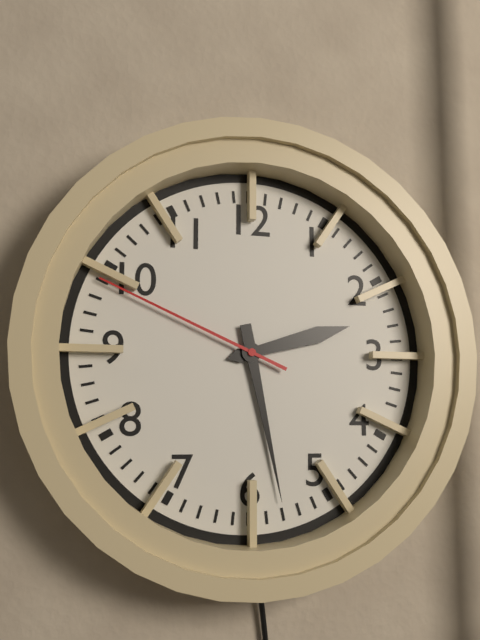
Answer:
2.28.49
